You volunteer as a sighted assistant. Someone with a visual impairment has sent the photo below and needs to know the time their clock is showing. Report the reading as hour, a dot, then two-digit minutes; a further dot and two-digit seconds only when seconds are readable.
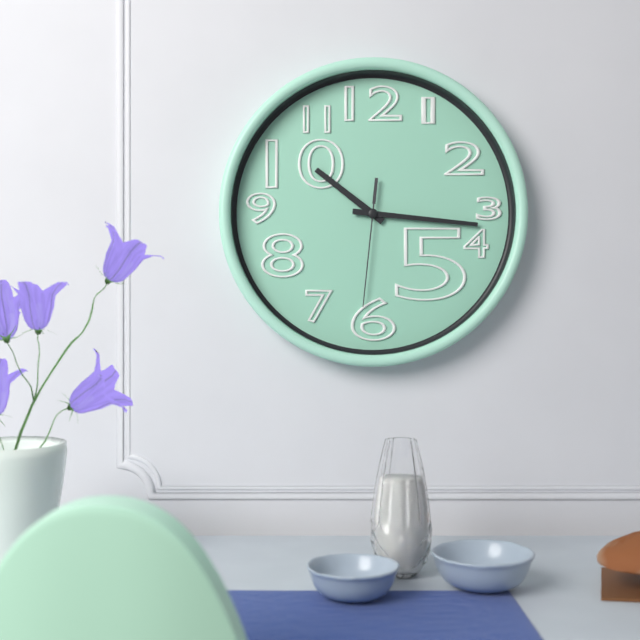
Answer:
10.16.31
